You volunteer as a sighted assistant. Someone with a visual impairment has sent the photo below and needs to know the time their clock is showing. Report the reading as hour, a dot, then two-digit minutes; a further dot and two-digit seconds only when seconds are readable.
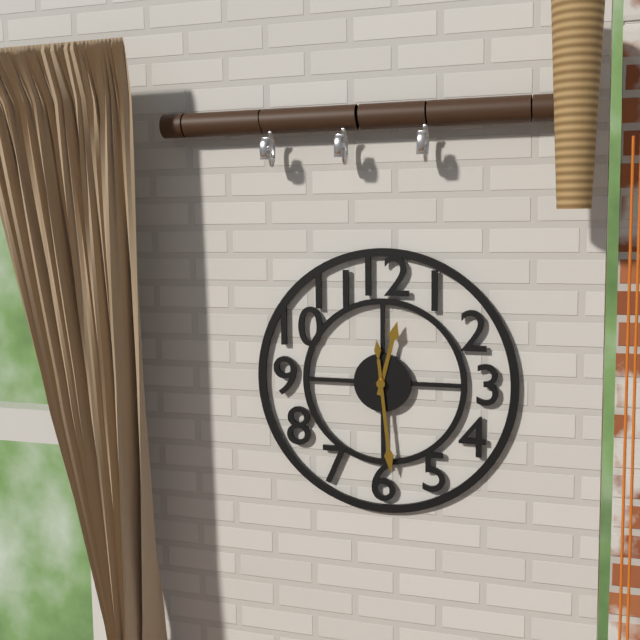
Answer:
12.29
